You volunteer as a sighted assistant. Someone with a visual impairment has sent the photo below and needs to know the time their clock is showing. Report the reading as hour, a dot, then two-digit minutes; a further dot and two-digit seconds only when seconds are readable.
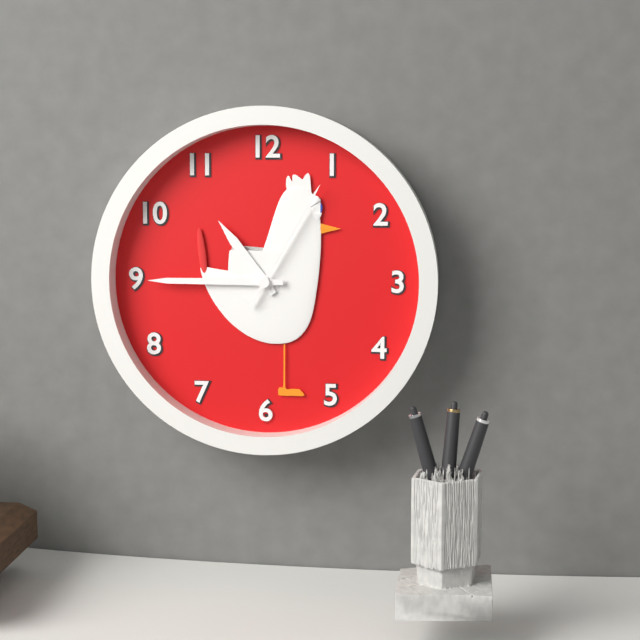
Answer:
10.45.05
